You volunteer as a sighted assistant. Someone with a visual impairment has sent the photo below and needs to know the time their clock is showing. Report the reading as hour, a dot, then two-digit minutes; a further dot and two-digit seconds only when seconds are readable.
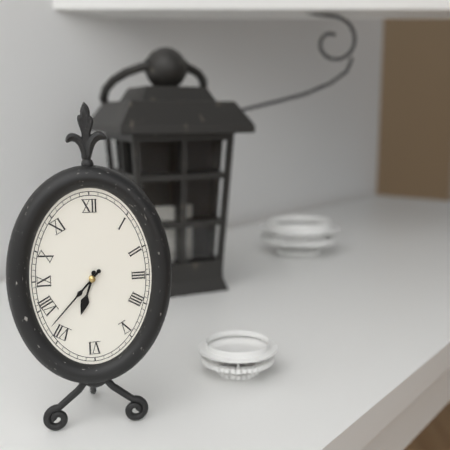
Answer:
6.37
